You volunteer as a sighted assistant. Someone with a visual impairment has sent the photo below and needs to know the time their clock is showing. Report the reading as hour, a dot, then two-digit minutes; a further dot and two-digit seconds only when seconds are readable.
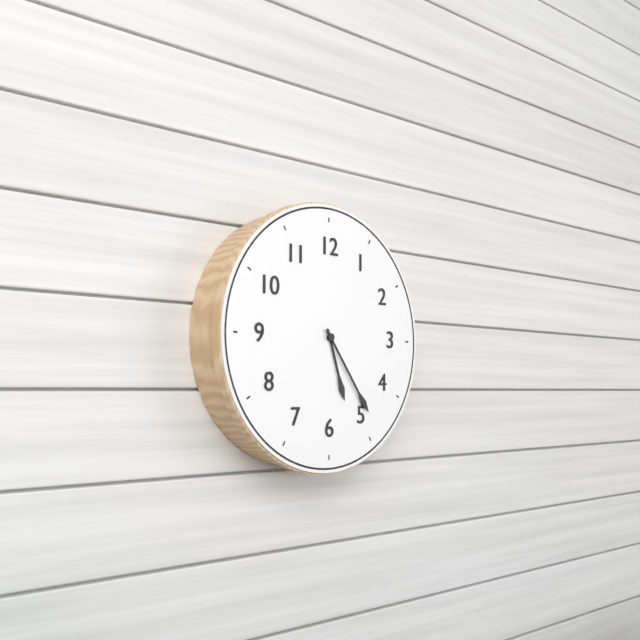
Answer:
5.24
